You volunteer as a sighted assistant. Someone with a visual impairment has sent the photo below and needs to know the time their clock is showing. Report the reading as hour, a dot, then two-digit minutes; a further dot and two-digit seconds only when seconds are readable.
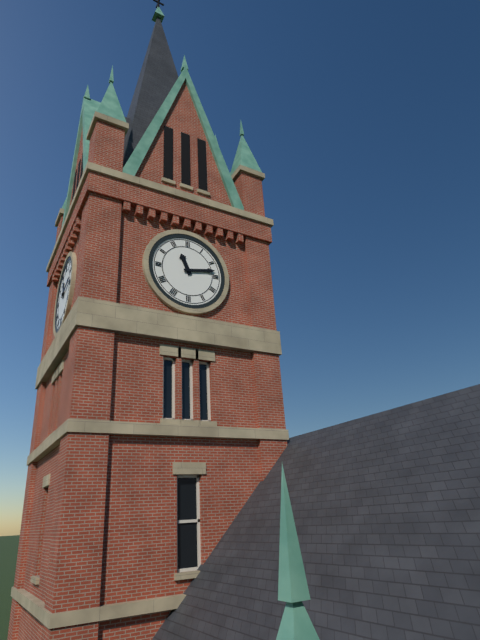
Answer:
11.13
